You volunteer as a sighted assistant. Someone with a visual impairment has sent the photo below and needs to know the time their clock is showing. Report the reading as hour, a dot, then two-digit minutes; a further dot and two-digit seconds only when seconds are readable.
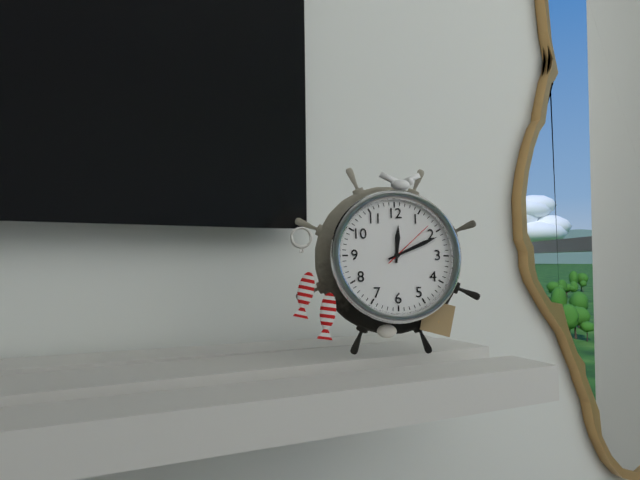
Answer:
12.11.08
